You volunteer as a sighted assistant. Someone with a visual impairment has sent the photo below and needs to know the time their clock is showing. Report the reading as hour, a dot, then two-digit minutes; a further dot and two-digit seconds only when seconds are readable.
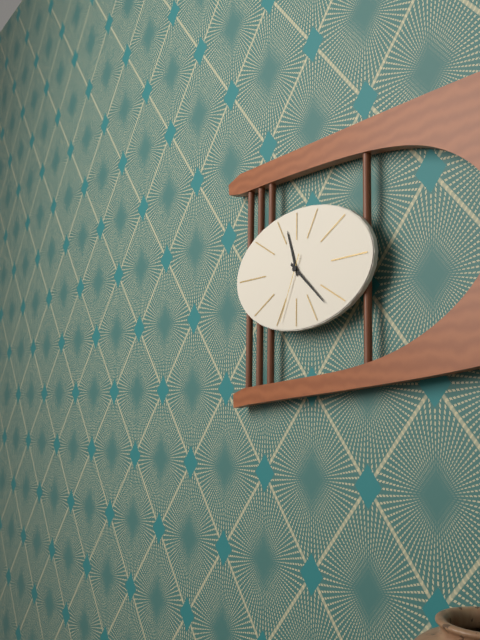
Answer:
11.22.34
